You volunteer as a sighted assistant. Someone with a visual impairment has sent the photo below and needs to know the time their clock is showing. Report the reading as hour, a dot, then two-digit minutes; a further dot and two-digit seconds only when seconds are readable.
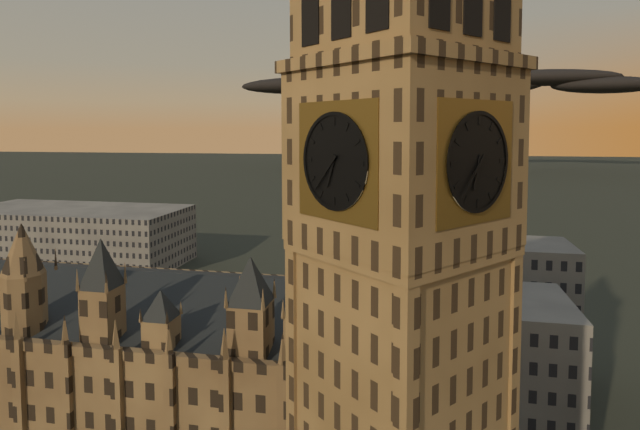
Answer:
6.37
